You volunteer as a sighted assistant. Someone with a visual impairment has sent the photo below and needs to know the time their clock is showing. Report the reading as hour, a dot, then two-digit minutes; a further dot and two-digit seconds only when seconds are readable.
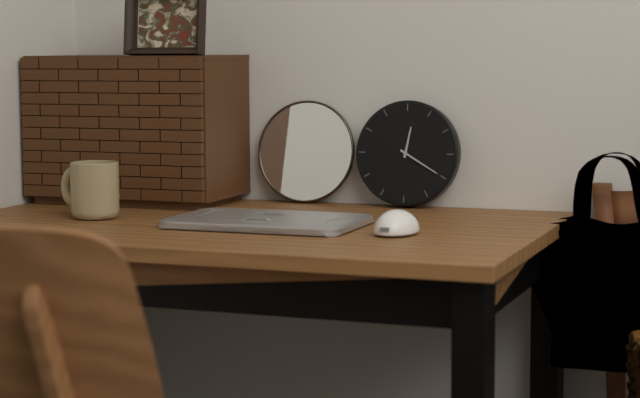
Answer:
12.20
